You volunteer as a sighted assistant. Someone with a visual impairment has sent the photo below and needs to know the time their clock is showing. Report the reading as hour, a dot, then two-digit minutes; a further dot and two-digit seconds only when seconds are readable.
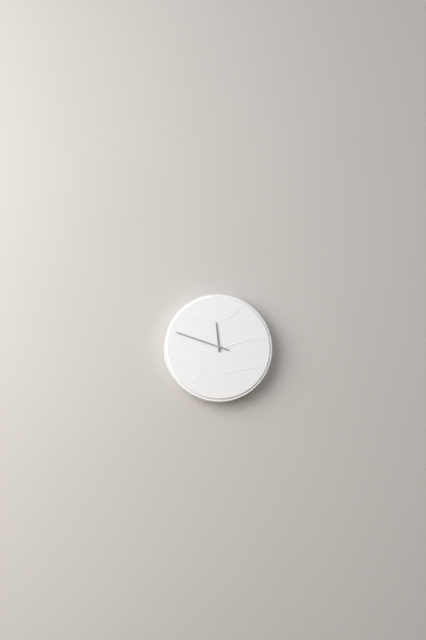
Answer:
11.48
